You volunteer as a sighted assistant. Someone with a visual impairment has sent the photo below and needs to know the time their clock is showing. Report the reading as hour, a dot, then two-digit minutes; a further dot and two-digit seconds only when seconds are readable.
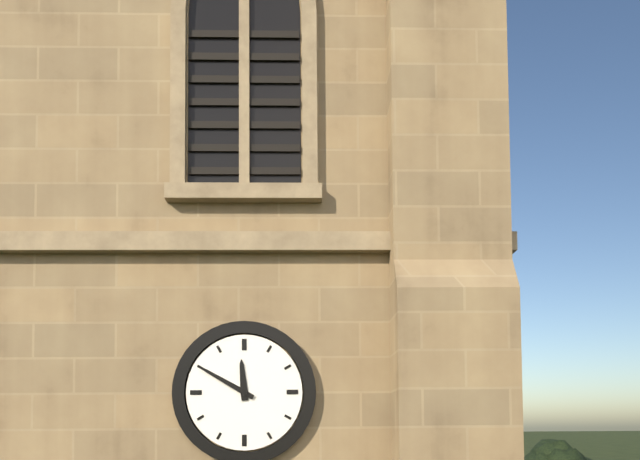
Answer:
11.50
